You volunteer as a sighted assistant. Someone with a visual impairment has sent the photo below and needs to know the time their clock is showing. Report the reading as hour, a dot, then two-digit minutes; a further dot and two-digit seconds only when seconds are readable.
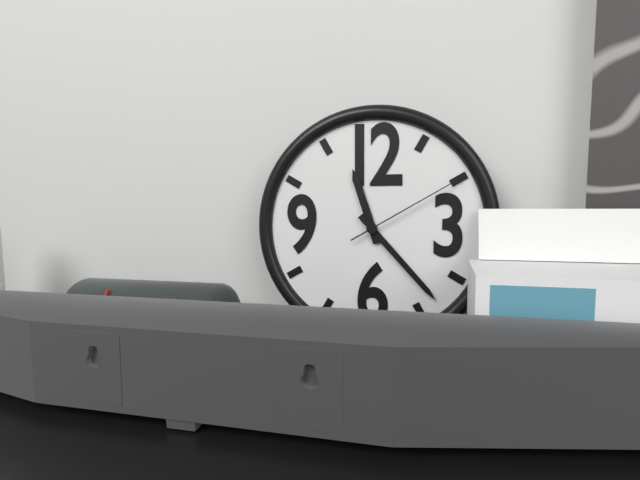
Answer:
11.23.10
